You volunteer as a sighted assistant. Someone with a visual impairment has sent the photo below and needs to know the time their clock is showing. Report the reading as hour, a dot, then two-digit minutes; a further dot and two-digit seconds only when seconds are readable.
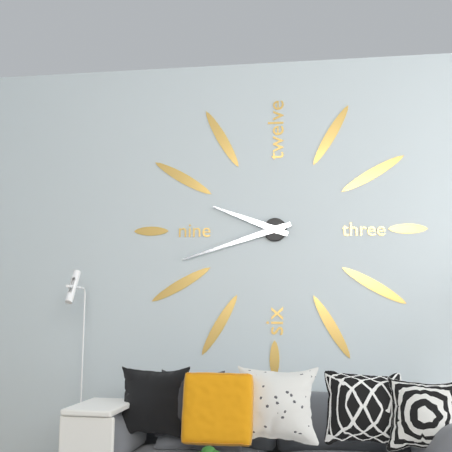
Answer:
9.42
